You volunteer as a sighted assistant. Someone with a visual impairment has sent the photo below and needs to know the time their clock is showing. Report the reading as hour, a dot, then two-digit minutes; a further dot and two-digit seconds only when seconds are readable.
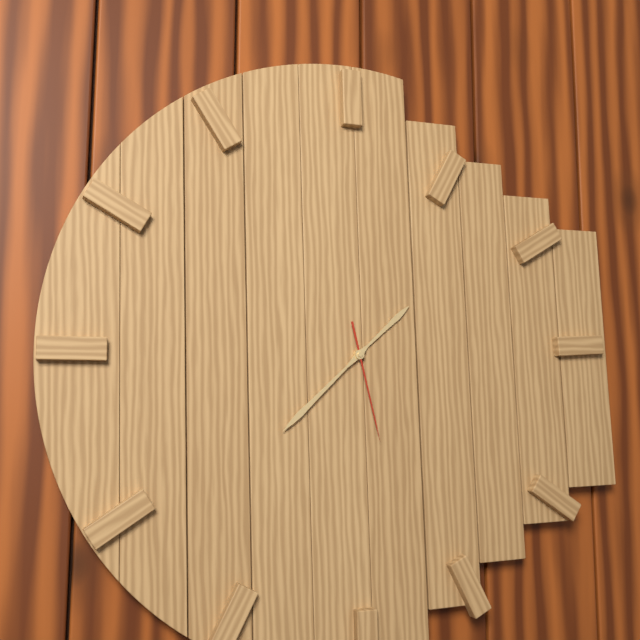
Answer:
1.38.28
